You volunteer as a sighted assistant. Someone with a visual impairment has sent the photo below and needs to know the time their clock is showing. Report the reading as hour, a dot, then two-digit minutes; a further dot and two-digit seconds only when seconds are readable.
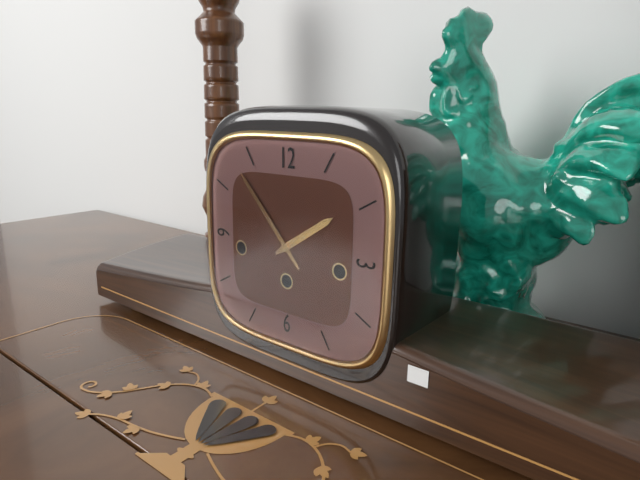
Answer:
1.53
